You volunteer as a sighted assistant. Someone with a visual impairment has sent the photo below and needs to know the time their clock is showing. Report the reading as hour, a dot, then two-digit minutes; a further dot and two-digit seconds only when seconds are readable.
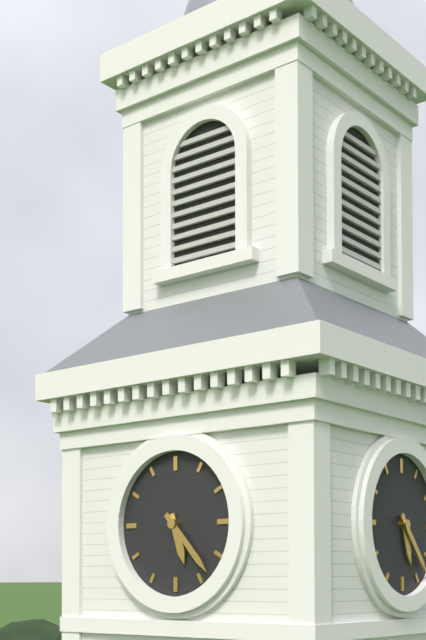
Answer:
5.23
